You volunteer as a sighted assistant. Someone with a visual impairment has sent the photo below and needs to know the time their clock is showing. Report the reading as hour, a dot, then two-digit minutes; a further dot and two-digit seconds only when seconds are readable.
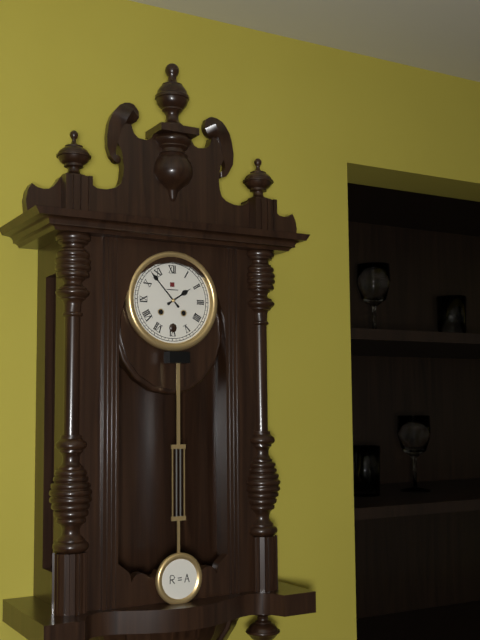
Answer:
1.53
